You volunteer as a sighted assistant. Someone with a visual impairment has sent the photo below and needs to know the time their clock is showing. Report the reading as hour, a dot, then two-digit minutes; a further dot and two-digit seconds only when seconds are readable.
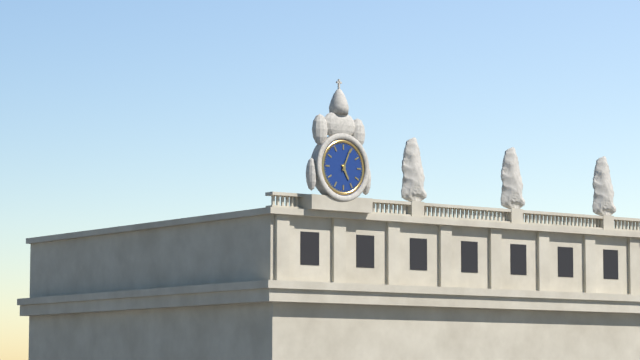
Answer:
5.04
